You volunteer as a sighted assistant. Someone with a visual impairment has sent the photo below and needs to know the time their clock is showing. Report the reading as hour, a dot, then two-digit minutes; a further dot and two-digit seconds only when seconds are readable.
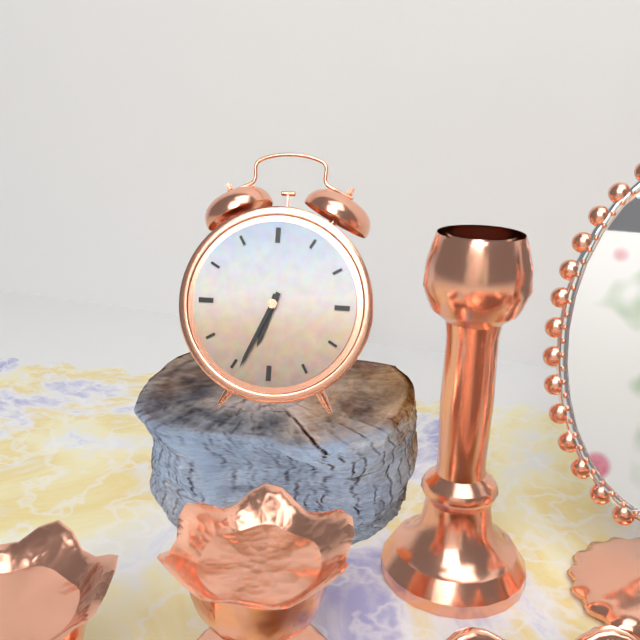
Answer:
6.34
